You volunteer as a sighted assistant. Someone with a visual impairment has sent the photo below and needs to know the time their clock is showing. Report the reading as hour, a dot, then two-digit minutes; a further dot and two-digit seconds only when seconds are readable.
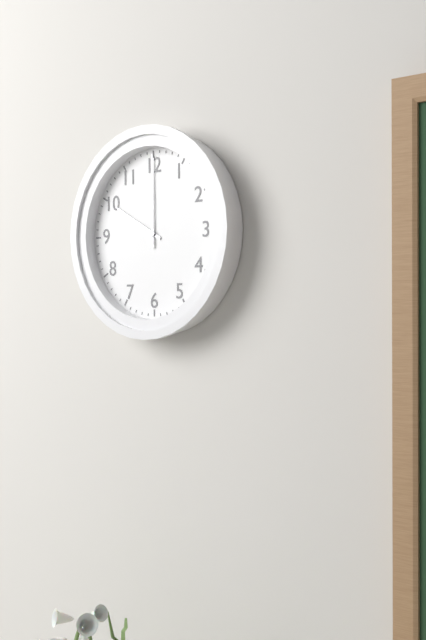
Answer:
10.00
